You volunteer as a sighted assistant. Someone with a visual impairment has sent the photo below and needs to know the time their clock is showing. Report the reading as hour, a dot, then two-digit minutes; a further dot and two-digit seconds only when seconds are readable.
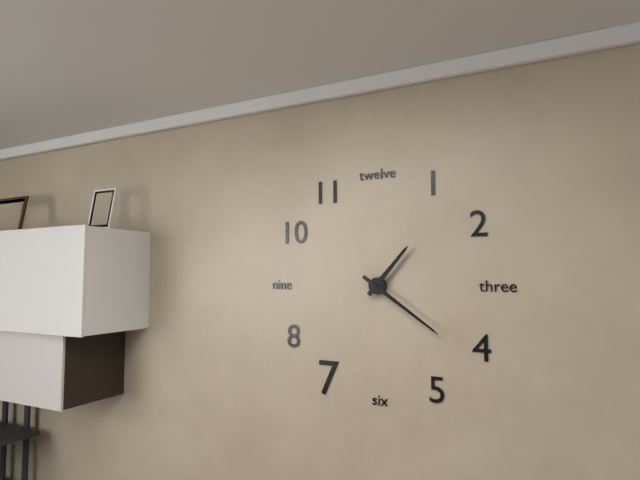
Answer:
1.21
